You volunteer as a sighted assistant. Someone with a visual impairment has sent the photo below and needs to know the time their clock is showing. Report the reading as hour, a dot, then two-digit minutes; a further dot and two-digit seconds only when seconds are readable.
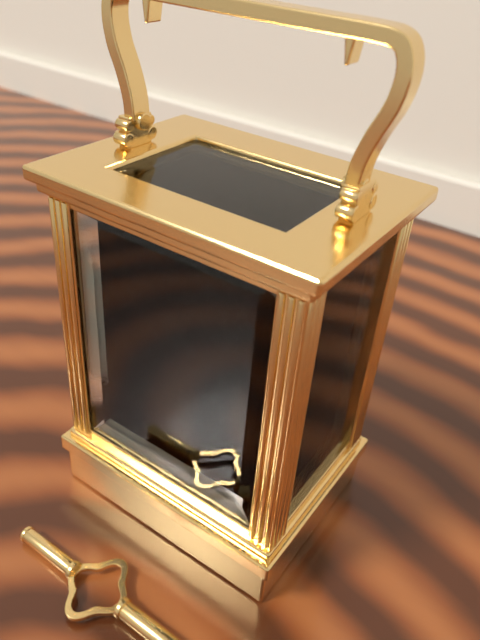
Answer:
10.42
